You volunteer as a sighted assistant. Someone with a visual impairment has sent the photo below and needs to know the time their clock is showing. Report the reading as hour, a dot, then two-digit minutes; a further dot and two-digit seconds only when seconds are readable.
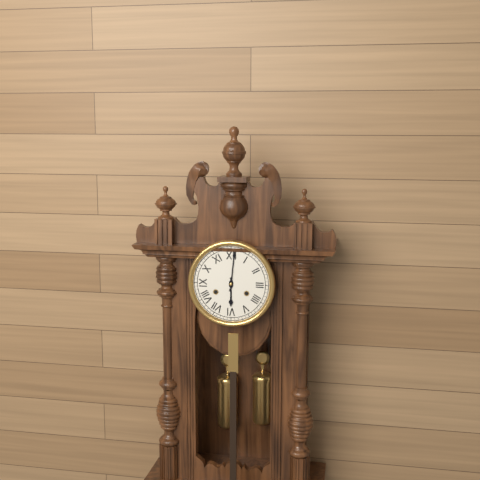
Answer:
6.01
